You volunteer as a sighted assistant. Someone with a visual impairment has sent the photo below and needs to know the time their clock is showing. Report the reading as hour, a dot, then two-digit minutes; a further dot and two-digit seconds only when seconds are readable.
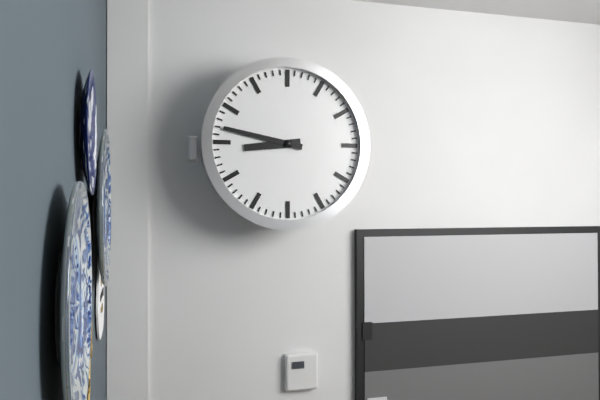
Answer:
8.47
